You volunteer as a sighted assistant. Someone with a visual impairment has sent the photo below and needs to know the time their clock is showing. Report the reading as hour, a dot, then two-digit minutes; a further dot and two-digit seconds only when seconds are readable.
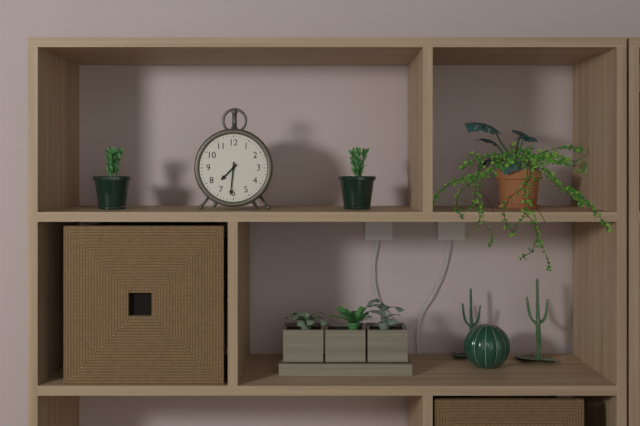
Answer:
7.31
